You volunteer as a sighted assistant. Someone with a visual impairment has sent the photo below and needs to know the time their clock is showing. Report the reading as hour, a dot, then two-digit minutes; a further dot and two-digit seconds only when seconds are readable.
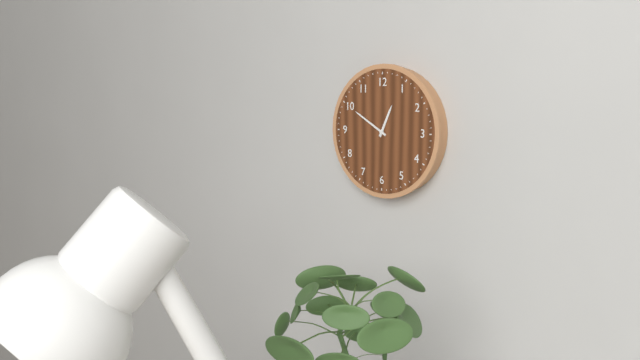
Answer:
12.50
